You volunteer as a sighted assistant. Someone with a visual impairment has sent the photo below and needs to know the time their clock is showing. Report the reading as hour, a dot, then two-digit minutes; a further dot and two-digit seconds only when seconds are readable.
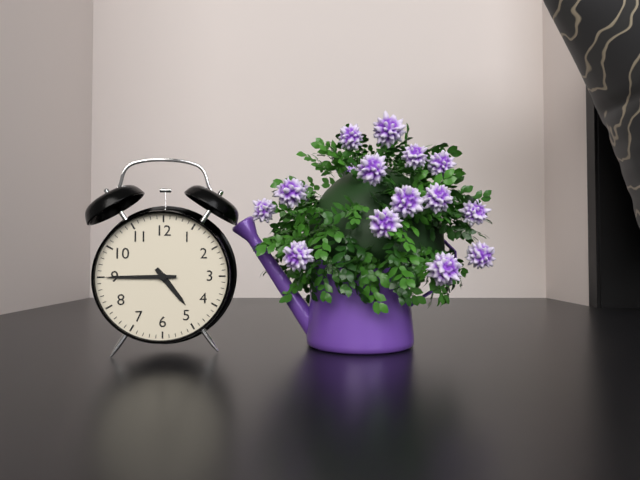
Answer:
4.45
